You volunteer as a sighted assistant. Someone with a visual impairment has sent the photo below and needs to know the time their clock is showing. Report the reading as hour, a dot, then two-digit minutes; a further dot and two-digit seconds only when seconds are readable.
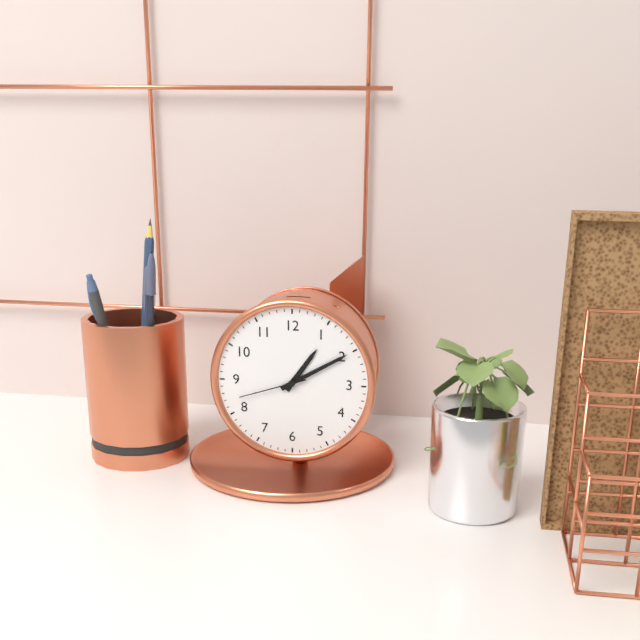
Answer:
1.10.42
